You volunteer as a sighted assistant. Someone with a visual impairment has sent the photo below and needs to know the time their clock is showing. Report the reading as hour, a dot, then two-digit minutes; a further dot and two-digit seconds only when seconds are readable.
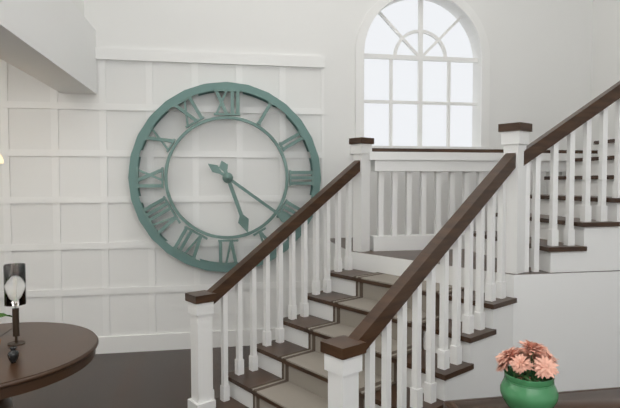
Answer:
5.21
